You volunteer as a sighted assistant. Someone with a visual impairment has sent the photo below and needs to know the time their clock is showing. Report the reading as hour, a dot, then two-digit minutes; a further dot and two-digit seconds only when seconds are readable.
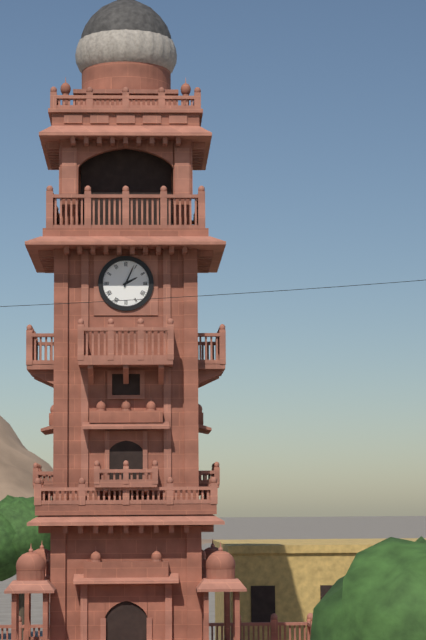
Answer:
2.04
